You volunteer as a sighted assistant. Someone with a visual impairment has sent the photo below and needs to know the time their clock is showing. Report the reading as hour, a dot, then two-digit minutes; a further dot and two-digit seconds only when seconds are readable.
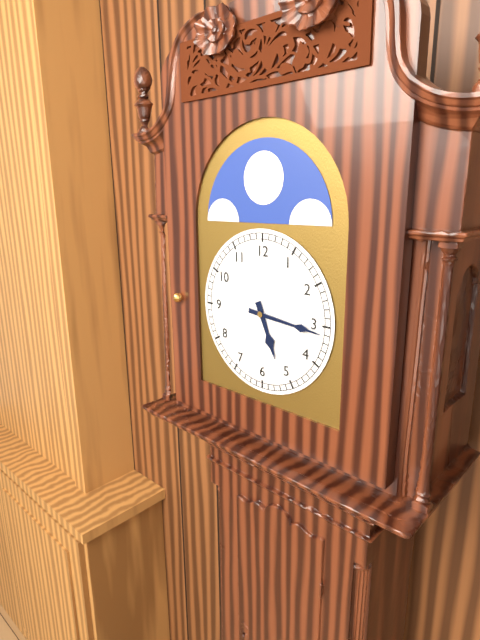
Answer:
5.16
